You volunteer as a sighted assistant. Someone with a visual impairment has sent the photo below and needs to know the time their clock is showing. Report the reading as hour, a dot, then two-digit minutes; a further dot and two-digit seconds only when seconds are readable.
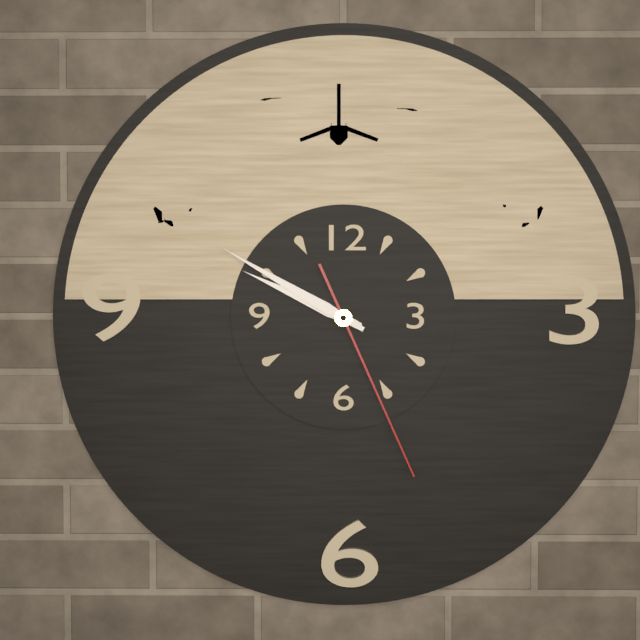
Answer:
9.50.26
